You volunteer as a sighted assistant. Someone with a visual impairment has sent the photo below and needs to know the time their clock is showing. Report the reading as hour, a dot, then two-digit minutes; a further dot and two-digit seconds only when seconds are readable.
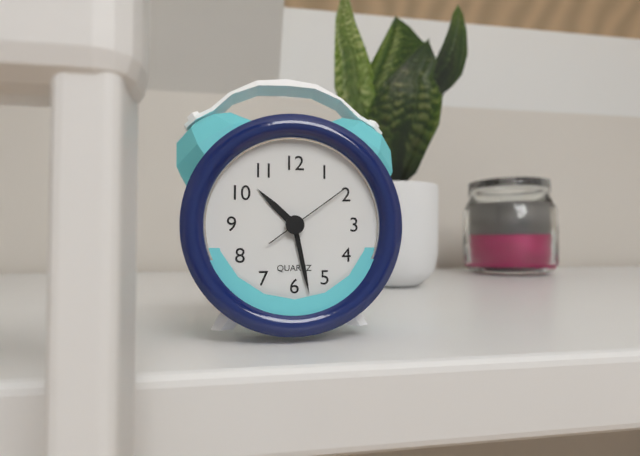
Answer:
10.28.09
